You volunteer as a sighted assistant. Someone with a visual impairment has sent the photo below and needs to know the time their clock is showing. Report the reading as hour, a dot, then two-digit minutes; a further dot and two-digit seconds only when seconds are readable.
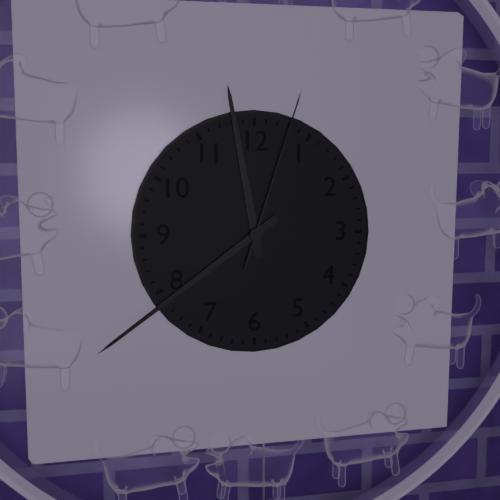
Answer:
11.39.03
